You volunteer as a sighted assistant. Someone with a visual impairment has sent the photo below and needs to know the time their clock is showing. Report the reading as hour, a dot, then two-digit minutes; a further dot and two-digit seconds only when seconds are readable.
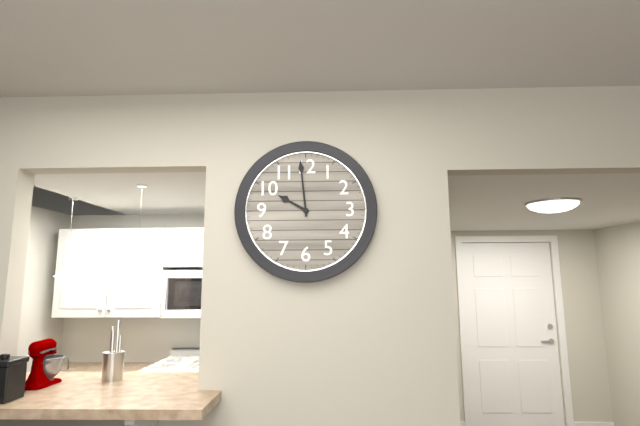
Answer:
9.59
